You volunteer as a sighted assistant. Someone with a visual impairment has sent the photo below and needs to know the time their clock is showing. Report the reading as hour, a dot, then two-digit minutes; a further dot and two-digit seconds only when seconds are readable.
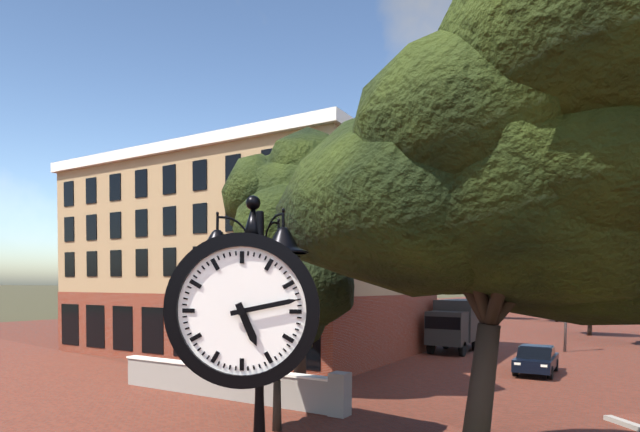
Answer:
5.13
